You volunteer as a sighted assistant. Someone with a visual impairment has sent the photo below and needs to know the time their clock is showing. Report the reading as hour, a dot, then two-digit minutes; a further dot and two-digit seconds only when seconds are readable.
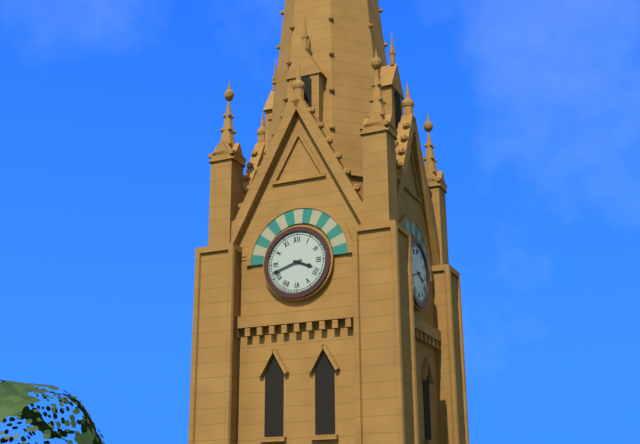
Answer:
3.42
